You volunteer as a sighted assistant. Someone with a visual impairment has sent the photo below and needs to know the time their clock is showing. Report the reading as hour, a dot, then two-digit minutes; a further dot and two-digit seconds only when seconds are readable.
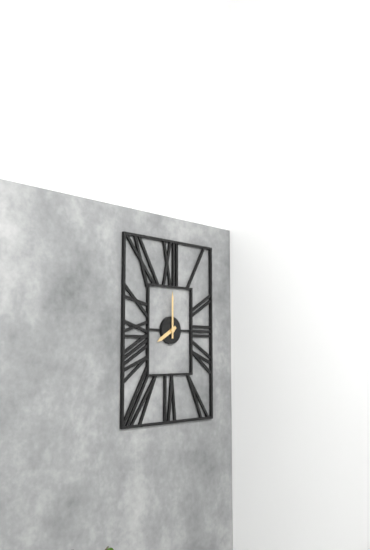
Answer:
8.00
